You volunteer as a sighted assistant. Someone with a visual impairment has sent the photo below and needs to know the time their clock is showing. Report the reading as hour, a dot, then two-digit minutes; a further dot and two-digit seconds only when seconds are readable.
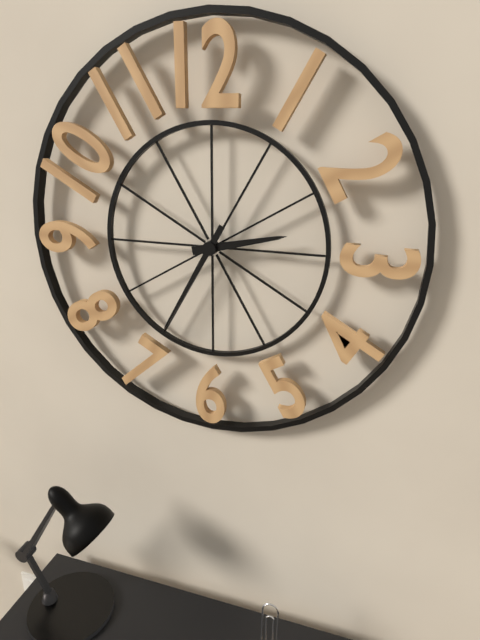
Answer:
2.35
